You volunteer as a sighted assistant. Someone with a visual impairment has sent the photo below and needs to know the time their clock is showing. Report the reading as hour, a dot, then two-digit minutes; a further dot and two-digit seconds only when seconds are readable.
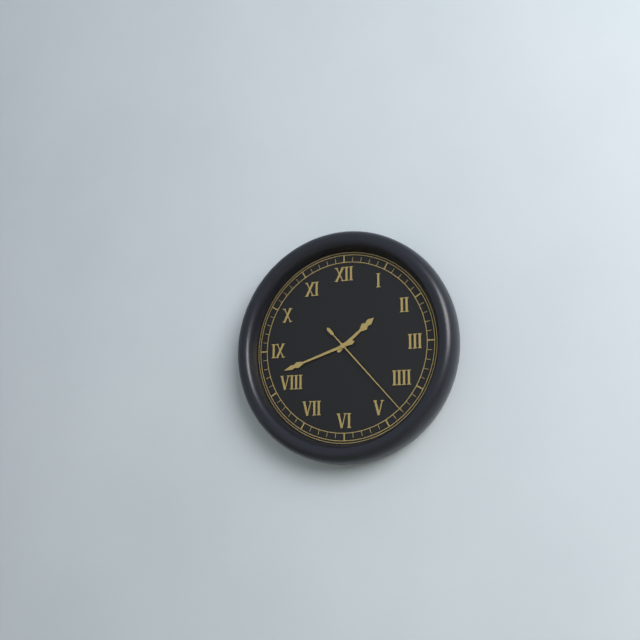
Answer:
1.42.23
